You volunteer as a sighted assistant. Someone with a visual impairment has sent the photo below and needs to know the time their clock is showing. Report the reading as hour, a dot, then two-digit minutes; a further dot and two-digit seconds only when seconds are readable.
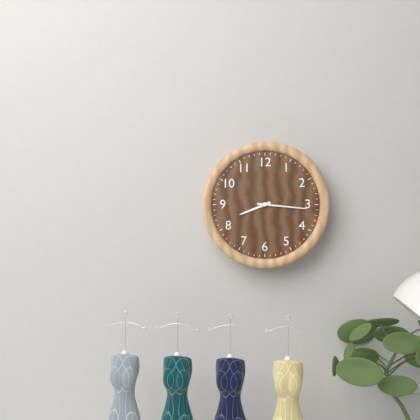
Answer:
8.16
